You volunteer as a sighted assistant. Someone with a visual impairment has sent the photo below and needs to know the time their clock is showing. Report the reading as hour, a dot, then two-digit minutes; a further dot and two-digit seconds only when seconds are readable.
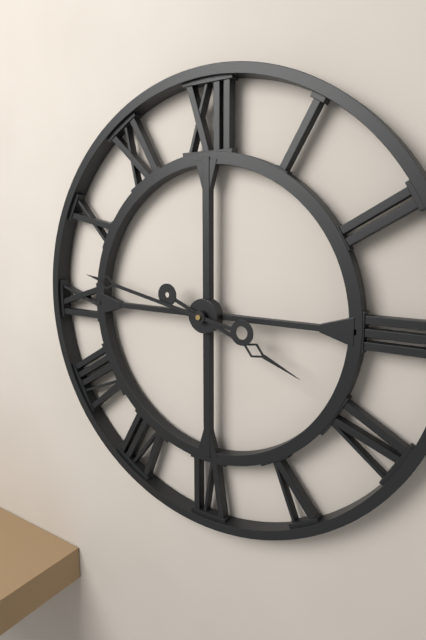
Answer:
3.47
